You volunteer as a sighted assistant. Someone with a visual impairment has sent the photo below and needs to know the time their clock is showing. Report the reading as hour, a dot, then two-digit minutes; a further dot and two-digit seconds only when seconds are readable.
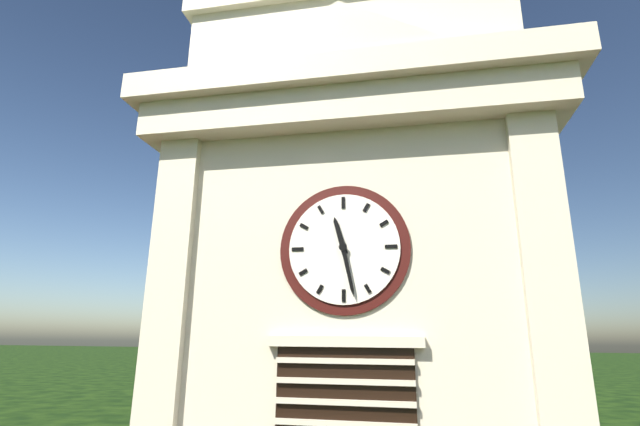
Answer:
11.28
